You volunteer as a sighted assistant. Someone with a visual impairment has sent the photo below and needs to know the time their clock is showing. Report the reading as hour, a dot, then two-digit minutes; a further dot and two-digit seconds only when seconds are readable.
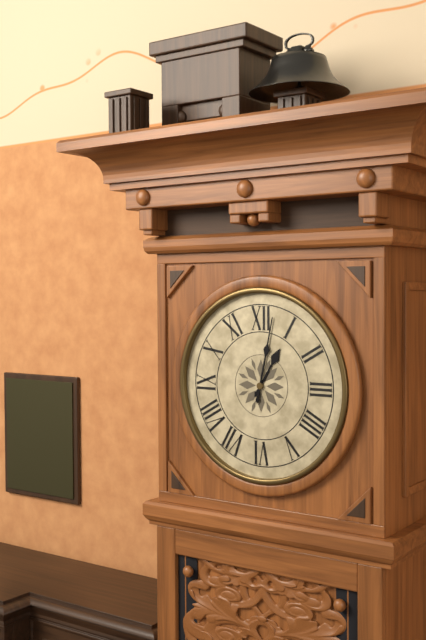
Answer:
1.02
